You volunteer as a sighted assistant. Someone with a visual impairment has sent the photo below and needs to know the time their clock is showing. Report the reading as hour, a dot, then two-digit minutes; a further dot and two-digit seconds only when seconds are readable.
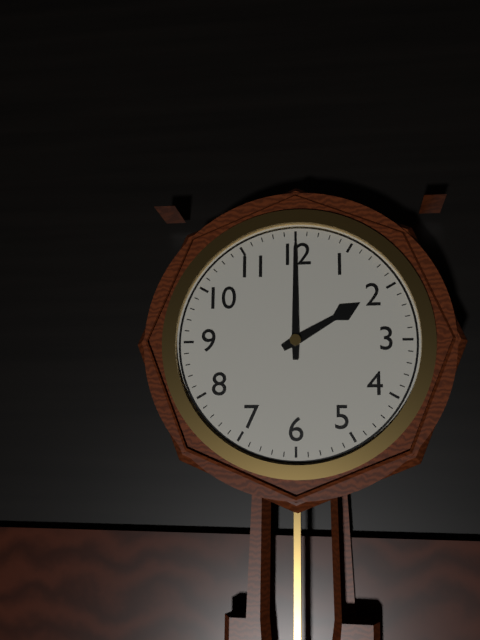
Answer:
2.00
